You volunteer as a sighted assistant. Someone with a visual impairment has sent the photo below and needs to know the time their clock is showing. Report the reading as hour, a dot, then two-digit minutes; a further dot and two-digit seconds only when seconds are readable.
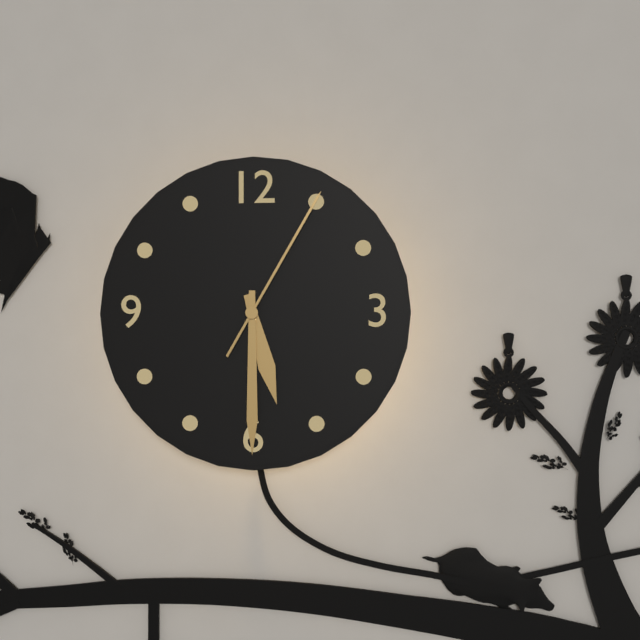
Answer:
5.30.05
